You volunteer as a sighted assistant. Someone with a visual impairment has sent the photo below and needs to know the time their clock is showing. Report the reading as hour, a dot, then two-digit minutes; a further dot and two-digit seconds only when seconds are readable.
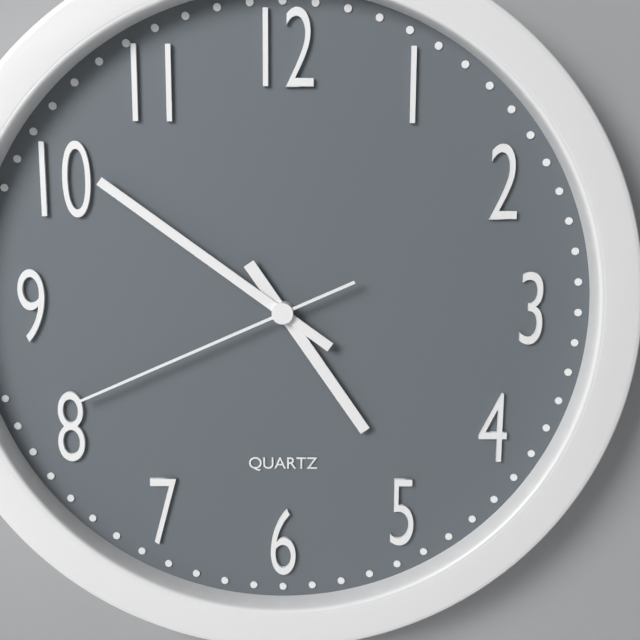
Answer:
4.51.41
